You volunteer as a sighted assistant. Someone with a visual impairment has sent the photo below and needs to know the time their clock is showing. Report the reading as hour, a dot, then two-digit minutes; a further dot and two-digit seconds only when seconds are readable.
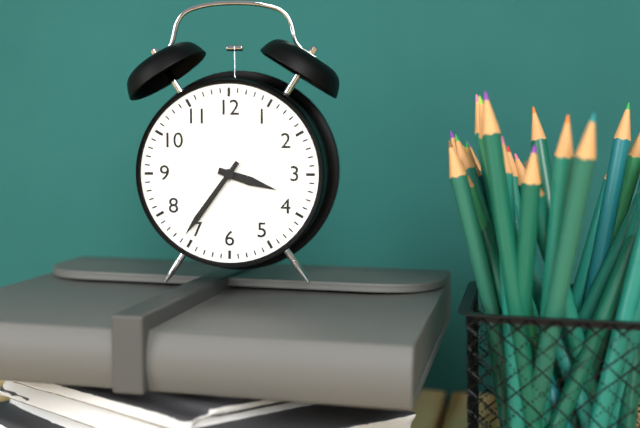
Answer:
3.36
